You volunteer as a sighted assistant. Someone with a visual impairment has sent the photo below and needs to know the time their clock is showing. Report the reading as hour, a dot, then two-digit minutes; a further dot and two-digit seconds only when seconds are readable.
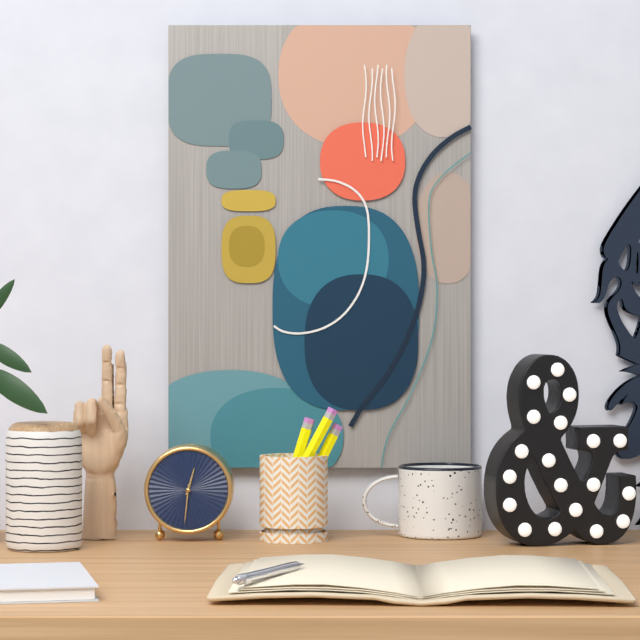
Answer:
12.31
